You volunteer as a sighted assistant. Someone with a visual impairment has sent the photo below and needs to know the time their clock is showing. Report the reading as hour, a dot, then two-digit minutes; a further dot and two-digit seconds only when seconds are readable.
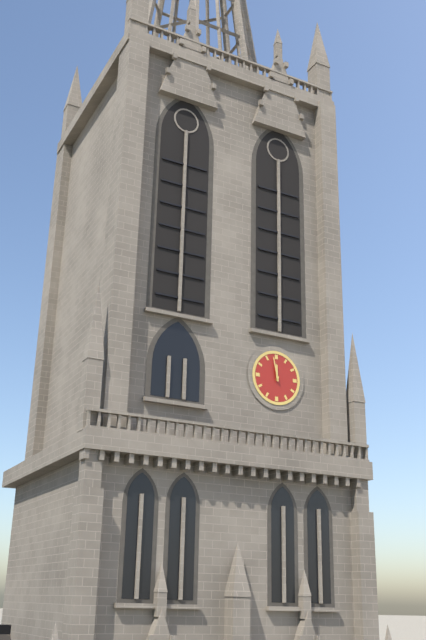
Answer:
11.58
